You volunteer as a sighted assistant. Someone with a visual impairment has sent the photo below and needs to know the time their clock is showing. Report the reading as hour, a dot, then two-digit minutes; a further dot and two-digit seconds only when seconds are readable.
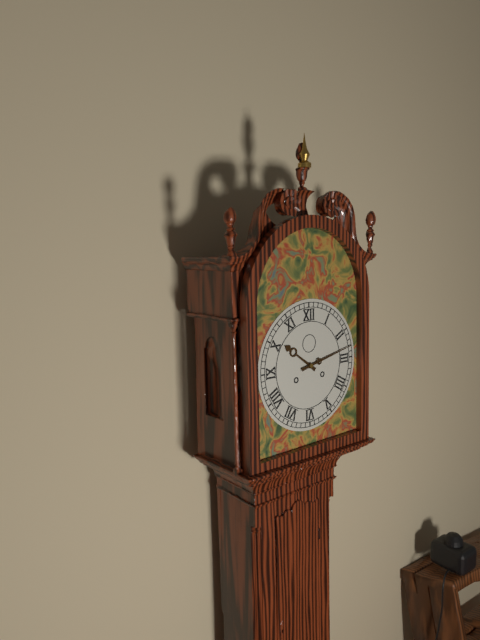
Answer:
10.13
